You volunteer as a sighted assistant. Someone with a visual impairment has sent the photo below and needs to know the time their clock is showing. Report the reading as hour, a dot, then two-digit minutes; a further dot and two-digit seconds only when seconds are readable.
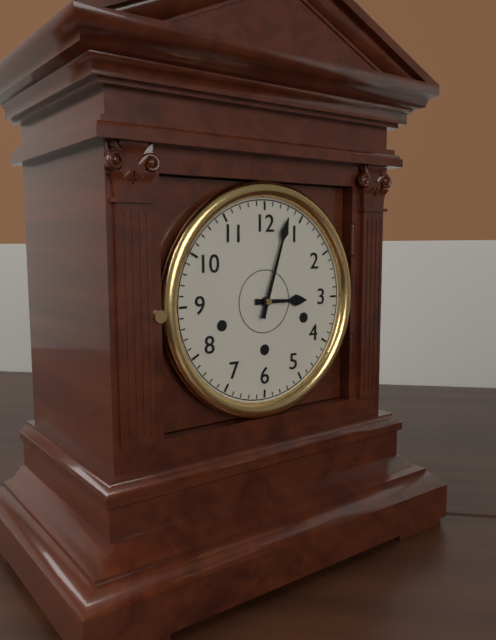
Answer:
3.03
